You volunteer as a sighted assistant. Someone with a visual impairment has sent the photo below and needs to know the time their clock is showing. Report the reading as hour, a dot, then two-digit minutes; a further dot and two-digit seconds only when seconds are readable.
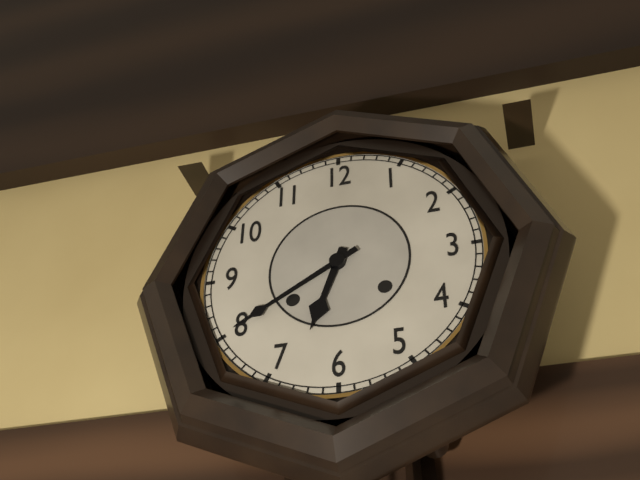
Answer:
6.40
